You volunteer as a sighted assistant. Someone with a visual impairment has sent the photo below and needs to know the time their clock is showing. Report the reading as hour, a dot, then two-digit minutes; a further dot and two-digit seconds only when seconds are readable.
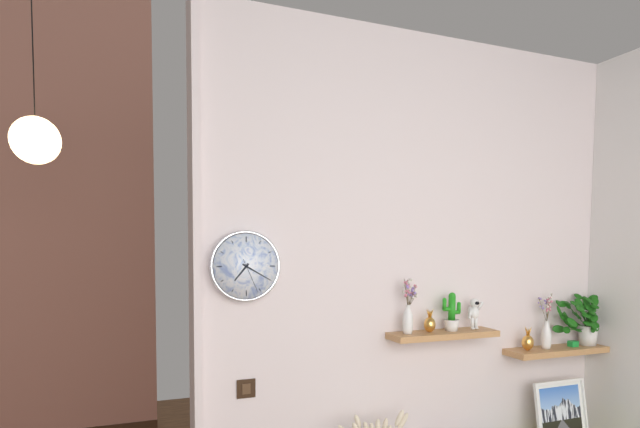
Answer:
7.20
